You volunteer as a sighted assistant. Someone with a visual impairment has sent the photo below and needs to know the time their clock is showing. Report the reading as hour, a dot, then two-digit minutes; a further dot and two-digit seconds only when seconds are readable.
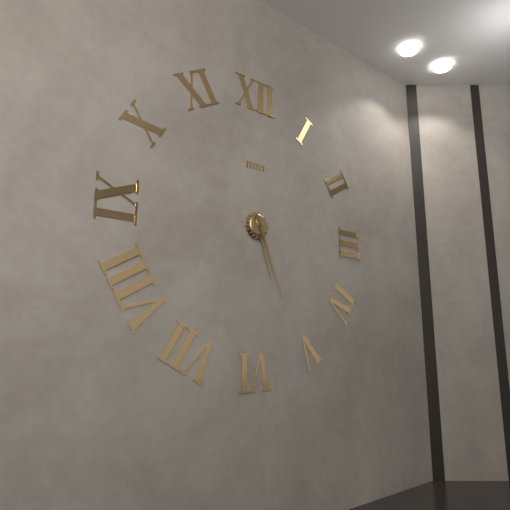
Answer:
5.26
